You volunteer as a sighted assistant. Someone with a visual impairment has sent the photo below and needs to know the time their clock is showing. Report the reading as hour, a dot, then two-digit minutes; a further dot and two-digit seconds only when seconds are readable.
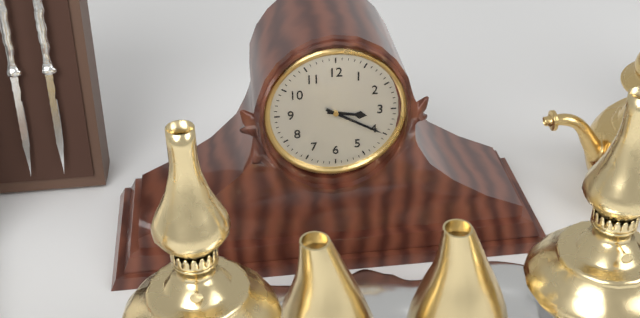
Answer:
3.20
